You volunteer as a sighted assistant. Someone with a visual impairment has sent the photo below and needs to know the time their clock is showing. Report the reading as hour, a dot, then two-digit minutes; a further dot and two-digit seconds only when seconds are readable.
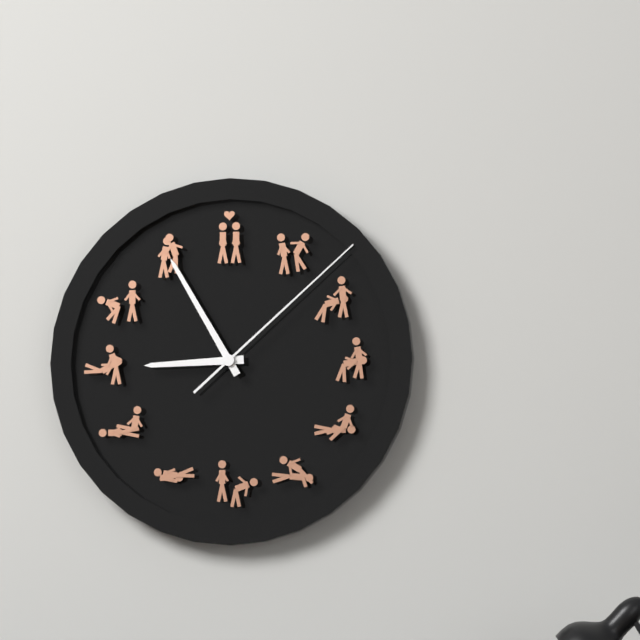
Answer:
8.55.08
